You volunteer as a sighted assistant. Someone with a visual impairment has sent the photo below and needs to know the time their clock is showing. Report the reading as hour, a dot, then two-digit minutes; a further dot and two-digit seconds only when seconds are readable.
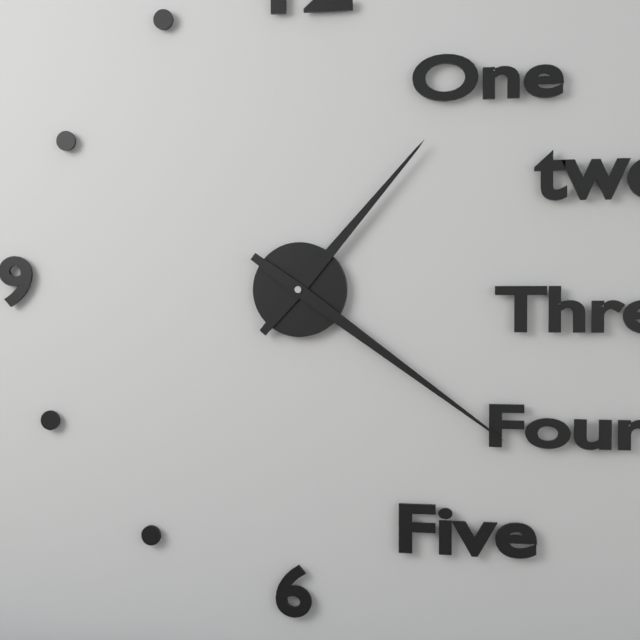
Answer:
1.21
